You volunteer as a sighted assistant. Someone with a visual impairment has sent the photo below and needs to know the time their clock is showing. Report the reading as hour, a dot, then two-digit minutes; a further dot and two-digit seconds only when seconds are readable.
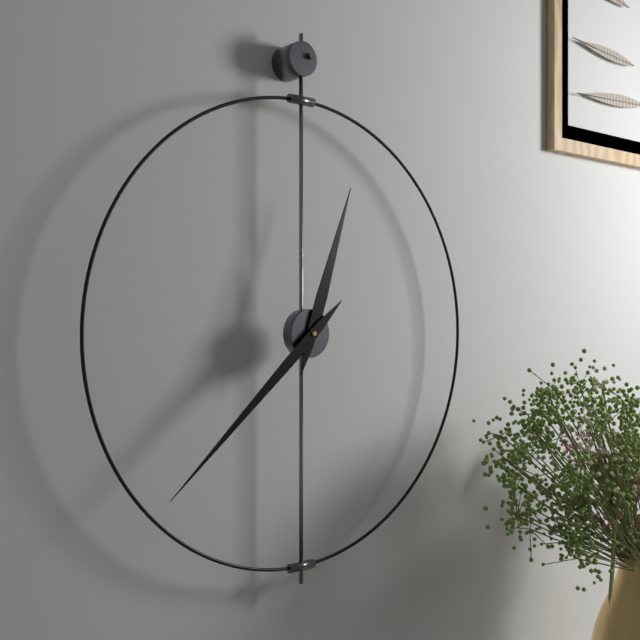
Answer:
12.38
